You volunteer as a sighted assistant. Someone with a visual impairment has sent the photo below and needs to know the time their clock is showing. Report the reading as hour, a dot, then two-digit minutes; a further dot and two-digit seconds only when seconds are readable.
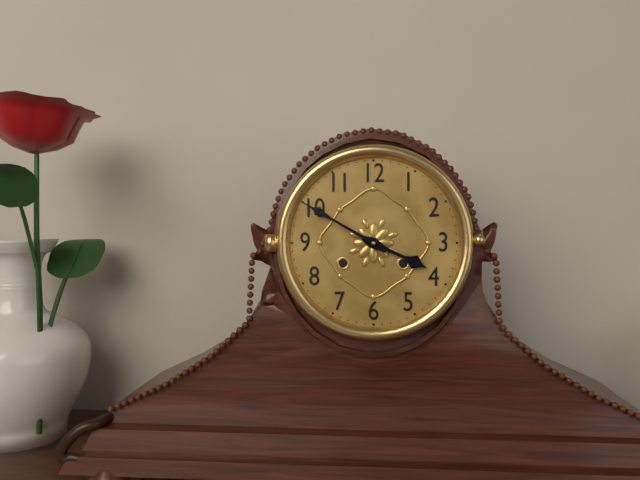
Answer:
3.50
